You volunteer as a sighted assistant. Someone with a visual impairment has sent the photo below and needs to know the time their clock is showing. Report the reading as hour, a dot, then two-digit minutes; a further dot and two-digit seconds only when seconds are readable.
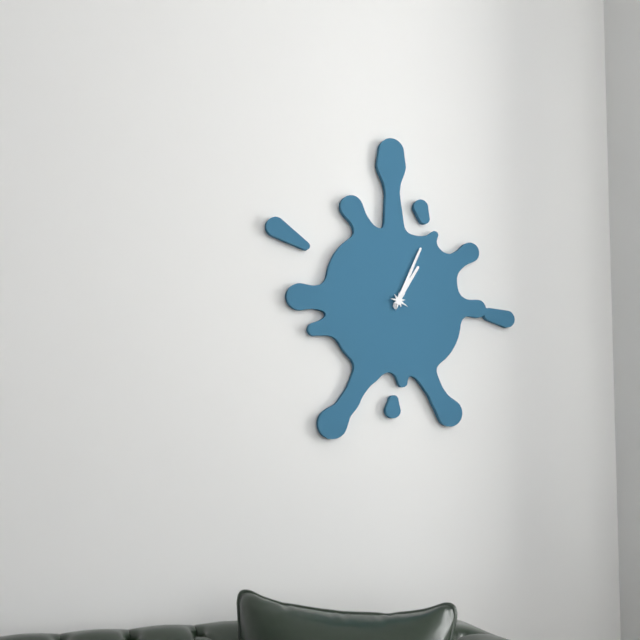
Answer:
1.04
